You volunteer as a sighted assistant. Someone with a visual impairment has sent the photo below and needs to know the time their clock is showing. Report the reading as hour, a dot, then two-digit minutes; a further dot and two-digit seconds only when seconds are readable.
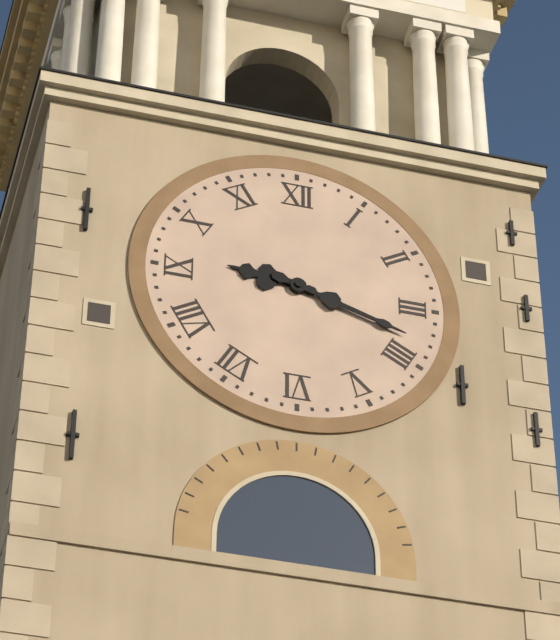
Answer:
9.18
